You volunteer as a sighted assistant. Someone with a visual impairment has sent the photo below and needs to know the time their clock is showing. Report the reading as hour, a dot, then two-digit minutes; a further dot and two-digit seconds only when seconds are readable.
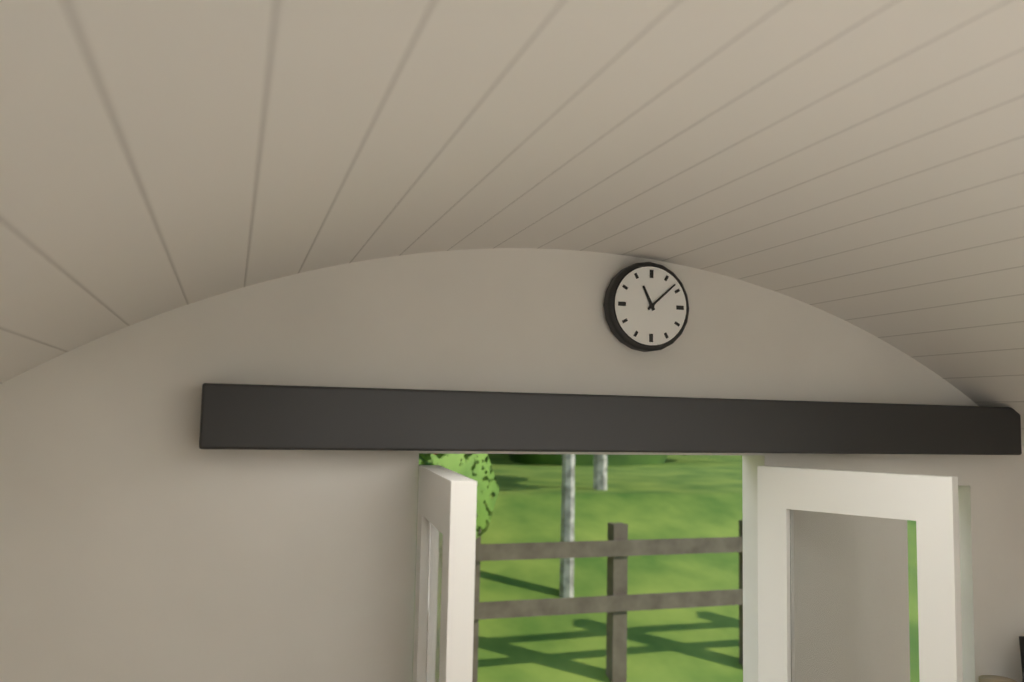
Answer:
11.08
